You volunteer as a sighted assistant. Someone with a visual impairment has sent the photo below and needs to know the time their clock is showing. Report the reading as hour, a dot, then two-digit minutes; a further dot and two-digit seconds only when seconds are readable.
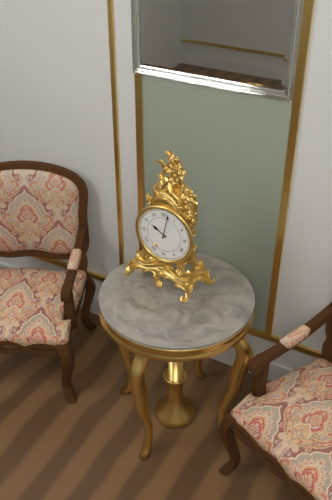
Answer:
10.02
